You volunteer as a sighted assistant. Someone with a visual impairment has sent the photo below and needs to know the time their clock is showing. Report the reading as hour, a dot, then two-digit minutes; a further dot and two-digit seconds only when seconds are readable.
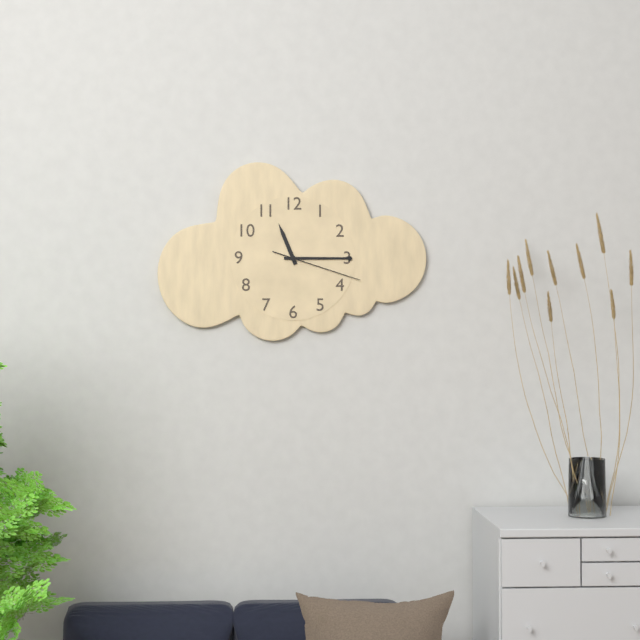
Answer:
11.15.18
